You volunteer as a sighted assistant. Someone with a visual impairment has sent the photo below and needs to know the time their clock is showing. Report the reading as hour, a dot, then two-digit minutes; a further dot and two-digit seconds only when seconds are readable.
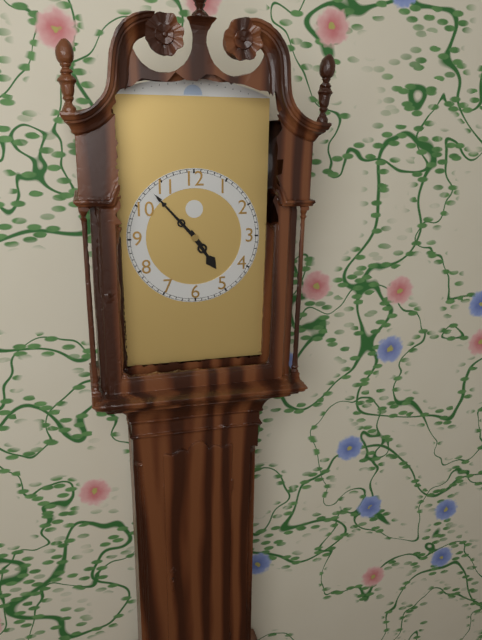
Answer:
4.53
